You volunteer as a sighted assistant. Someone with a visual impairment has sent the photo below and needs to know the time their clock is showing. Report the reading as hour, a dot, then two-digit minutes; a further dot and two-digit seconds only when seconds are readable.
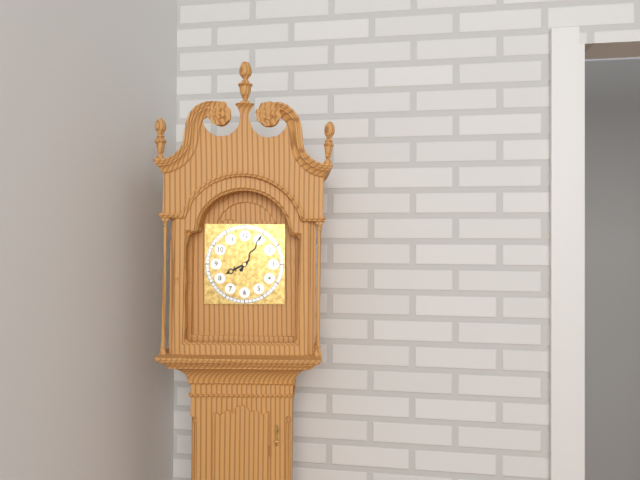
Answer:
8.05
